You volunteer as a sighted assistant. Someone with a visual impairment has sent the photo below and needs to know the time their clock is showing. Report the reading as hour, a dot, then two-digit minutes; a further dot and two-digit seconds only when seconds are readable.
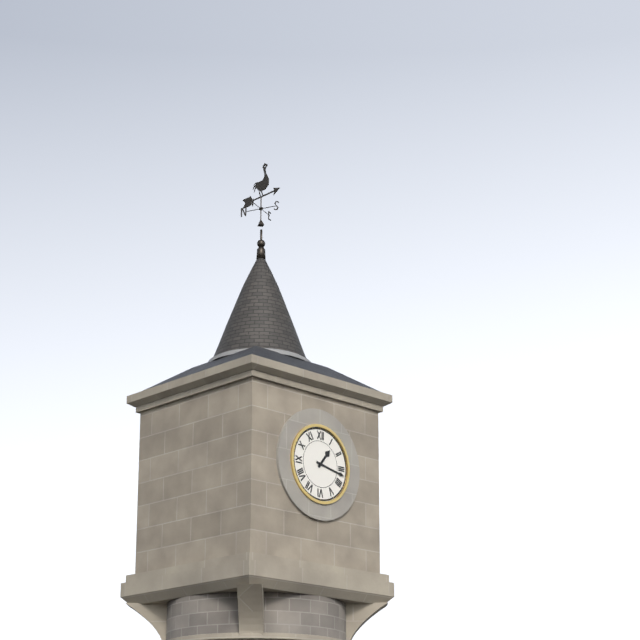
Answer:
1.17
